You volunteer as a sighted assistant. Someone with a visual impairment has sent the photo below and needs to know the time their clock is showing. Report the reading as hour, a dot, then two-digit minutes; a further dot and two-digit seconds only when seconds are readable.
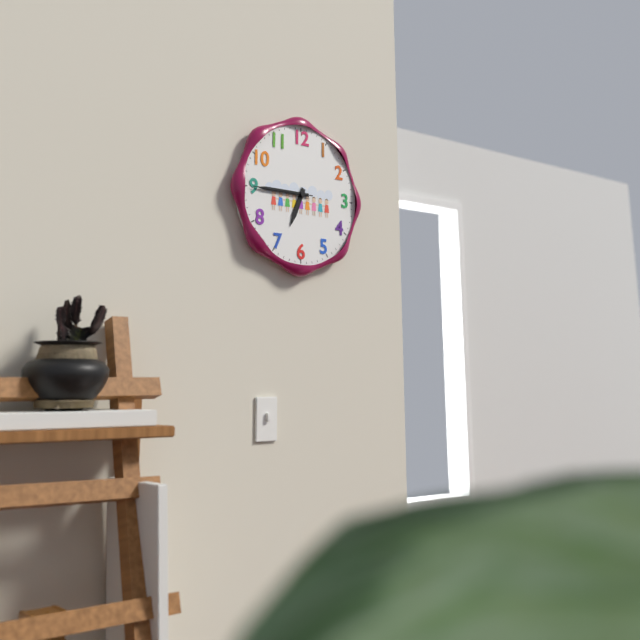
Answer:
6.45.45
